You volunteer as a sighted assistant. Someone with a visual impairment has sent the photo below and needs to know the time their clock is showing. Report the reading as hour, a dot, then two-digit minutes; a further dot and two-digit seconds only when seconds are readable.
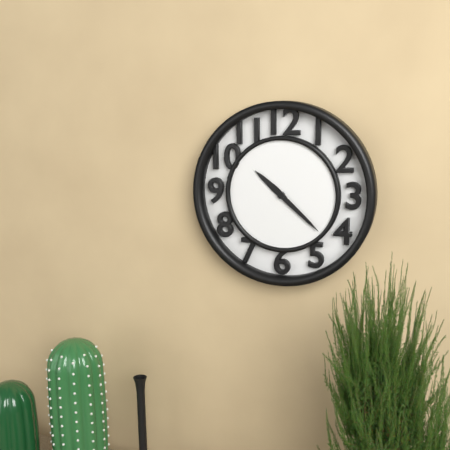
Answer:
10.22
